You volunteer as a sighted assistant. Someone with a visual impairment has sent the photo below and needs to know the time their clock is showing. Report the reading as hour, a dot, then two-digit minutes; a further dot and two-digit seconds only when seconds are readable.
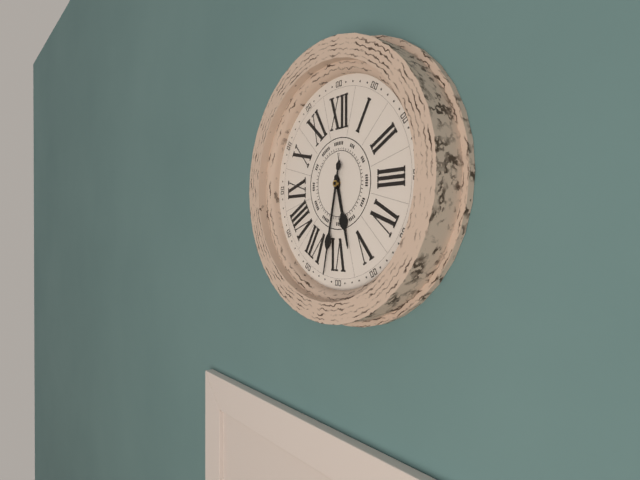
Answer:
5.32
